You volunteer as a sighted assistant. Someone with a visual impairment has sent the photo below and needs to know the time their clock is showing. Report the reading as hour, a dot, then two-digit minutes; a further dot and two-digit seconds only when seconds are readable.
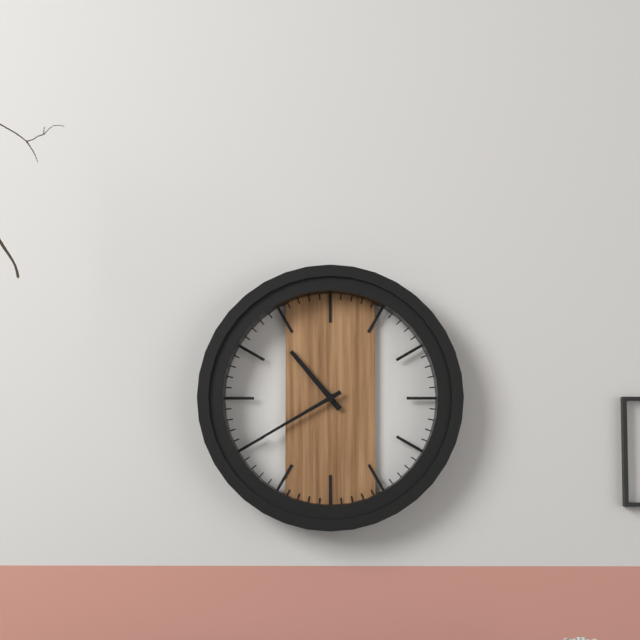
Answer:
10.40
